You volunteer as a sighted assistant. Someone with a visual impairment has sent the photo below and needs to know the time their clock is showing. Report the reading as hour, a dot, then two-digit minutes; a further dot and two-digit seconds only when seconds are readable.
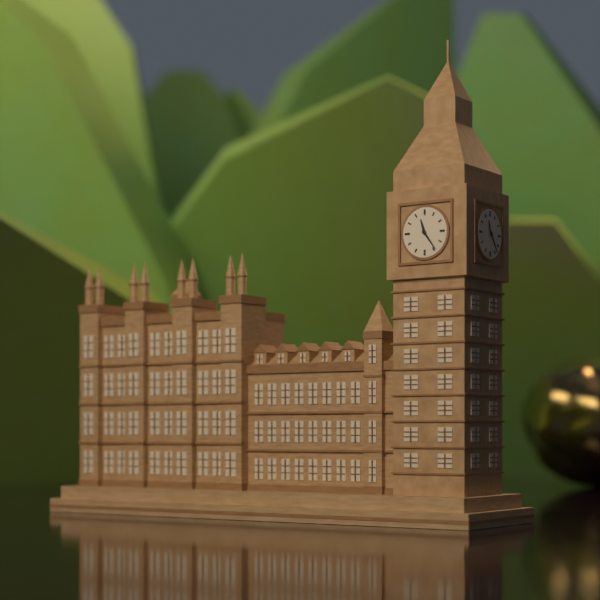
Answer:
11.24
